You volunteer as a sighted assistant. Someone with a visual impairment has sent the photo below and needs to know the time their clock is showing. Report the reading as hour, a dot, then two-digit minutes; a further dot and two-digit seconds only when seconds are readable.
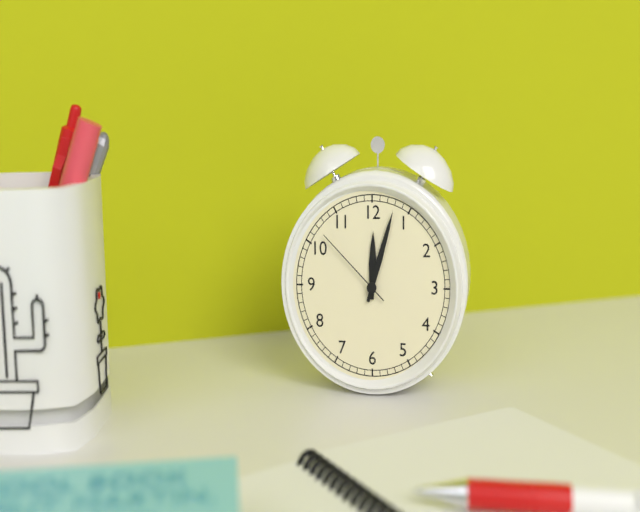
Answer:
12.03.52
